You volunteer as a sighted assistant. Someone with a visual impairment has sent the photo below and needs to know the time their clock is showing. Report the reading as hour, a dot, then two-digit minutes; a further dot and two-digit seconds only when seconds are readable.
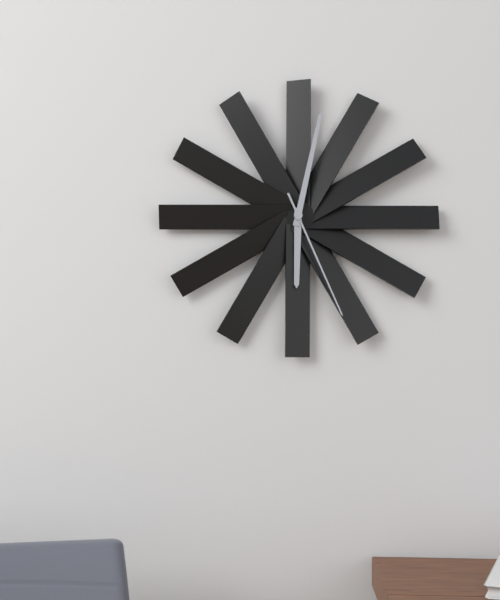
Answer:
6.02.26
